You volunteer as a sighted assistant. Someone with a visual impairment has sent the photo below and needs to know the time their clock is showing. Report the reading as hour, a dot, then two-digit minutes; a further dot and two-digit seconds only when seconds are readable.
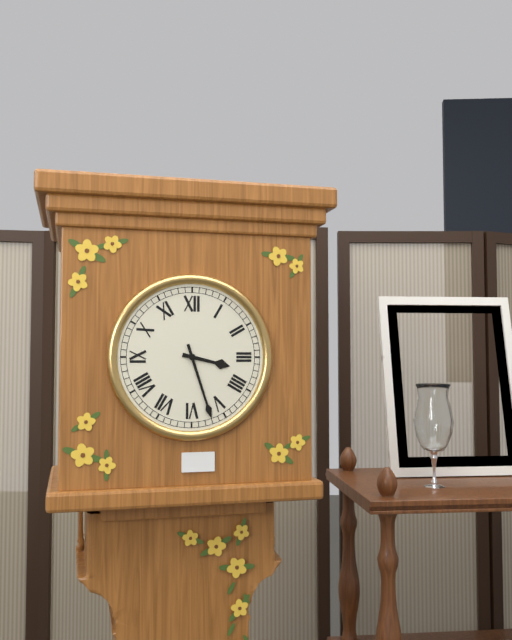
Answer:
3.27
